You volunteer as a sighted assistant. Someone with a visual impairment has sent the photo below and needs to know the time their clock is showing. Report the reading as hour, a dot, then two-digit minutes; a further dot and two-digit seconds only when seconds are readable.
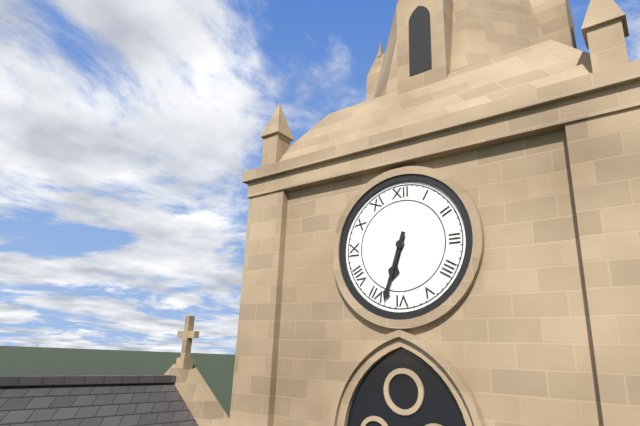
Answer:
6.33
